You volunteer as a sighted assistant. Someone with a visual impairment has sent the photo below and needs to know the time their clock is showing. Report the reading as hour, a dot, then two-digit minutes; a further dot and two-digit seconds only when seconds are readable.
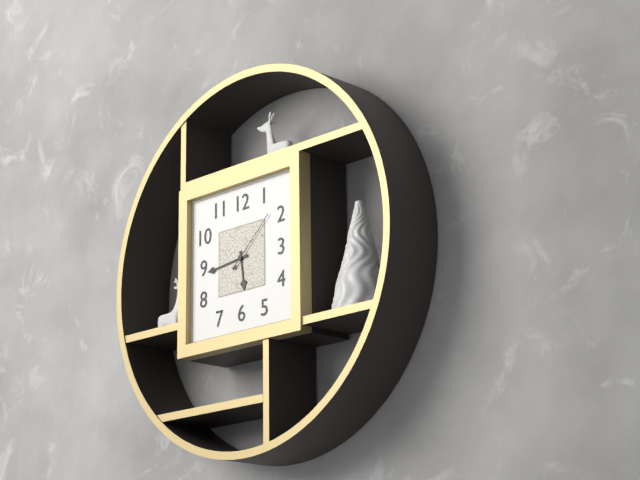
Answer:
5.44.08
